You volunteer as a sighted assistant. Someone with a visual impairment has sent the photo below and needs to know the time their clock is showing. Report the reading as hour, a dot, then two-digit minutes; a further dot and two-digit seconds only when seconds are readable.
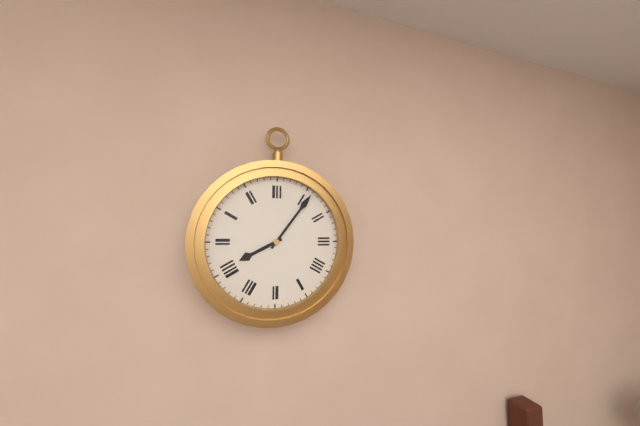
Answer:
8.06
